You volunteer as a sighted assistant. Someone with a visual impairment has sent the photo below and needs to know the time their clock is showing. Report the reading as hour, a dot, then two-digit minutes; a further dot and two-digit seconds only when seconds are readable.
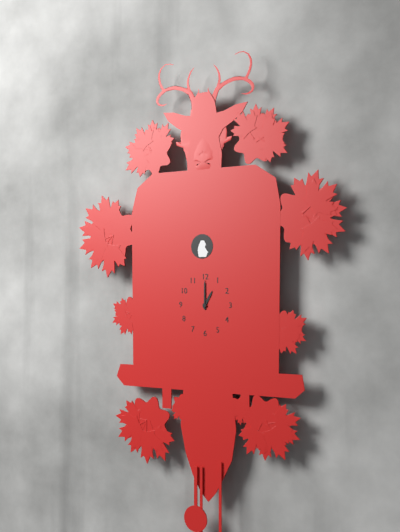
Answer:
1.00
